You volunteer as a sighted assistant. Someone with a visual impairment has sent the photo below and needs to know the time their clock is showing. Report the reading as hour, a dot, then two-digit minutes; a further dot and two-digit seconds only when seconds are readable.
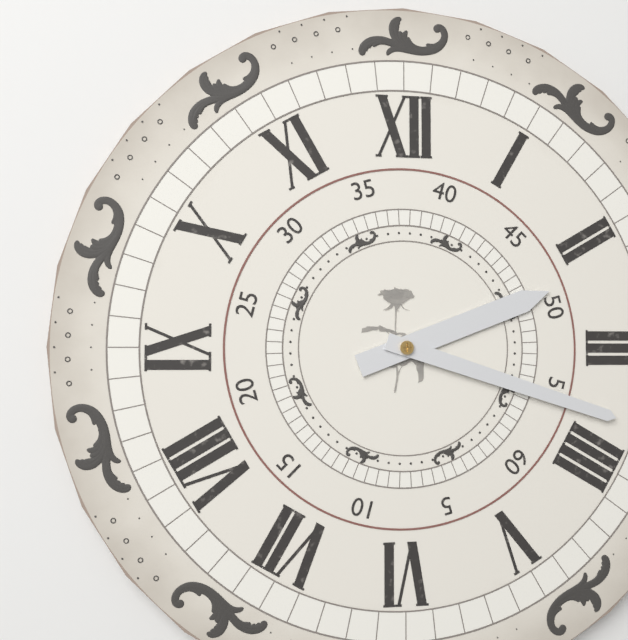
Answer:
2.18
